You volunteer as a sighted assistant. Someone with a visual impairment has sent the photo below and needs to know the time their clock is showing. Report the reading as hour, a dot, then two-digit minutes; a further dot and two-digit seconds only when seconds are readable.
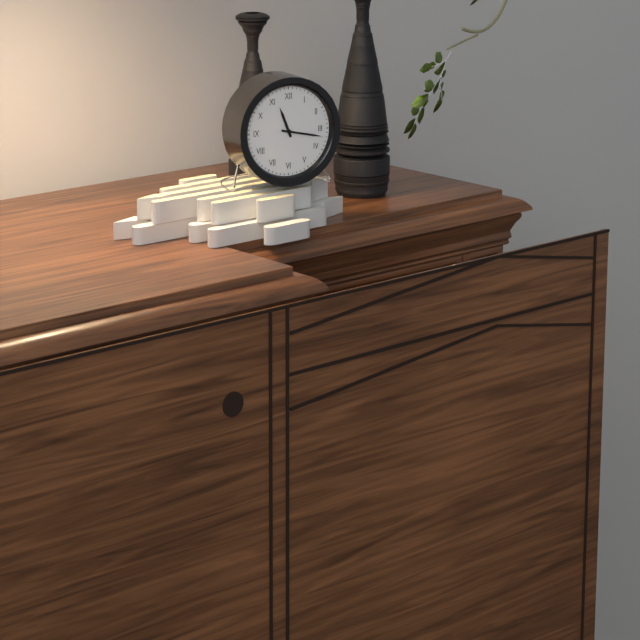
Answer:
11.17
